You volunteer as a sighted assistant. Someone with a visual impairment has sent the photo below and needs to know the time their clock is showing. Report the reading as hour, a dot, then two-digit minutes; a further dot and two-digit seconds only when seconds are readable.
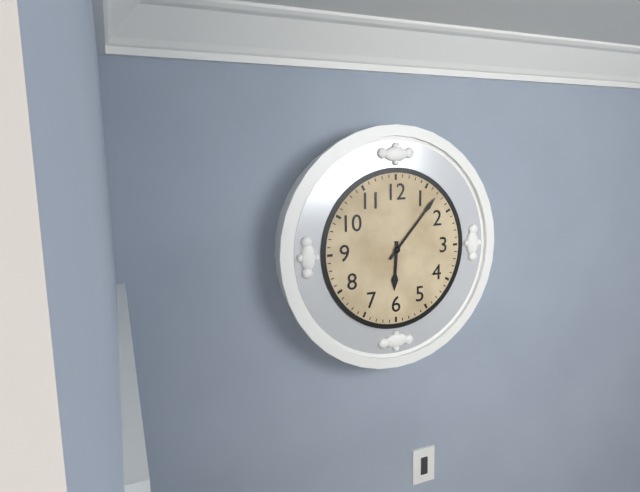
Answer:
6.07
